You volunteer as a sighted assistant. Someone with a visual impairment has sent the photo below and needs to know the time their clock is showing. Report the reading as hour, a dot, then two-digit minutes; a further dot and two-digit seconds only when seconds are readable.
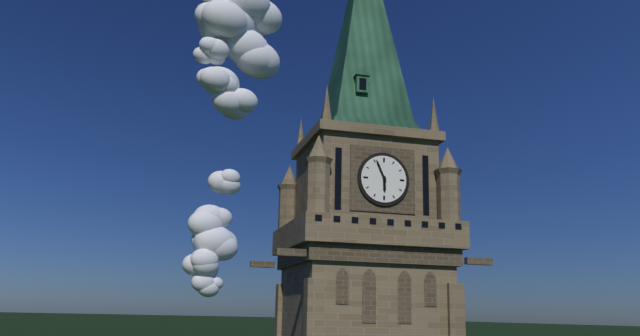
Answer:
5.56
